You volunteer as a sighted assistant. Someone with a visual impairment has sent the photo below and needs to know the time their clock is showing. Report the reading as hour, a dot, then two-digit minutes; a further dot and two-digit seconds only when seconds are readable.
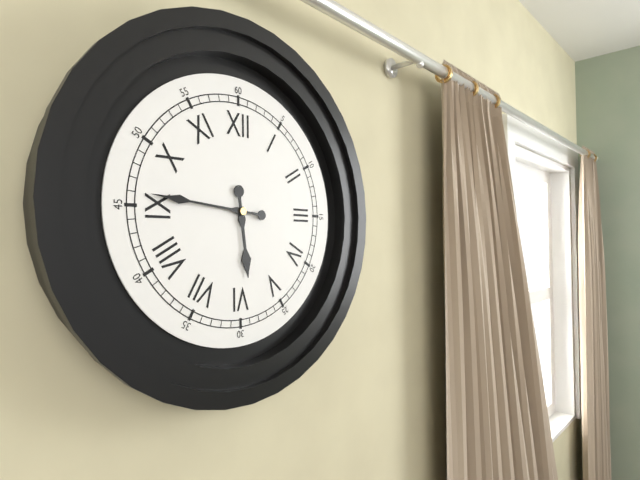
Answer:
5.46
